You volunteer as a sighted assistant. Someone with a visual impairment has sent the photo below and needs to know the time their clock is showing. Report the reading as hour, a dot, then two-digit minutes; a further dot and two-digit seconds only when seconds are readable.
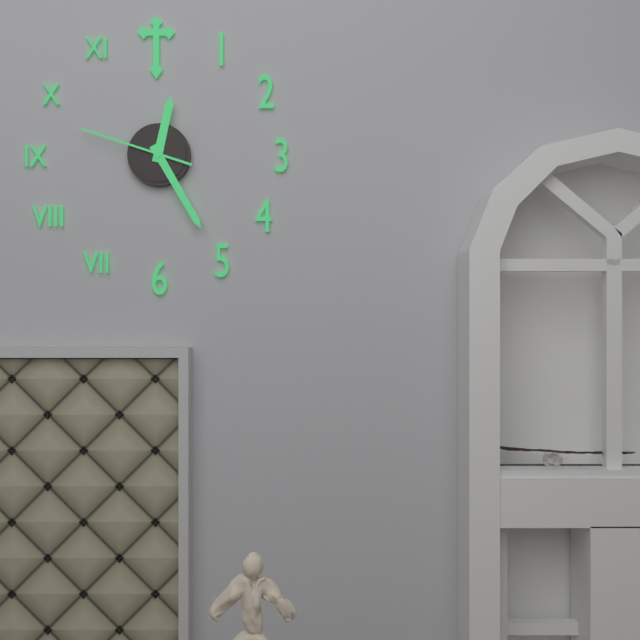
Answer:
12.25.48
